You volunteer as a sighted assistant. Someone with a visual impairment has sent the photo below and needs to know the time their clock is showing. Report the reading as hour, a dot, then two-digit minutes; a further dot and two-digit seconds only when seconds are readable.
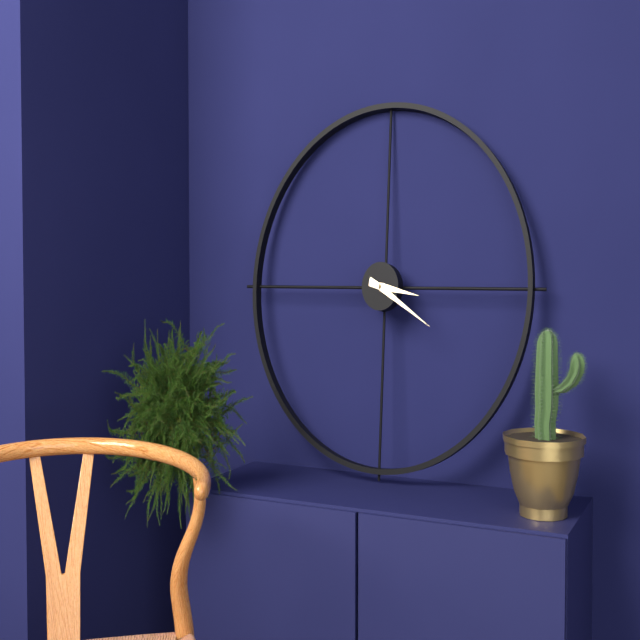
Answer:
3.20
